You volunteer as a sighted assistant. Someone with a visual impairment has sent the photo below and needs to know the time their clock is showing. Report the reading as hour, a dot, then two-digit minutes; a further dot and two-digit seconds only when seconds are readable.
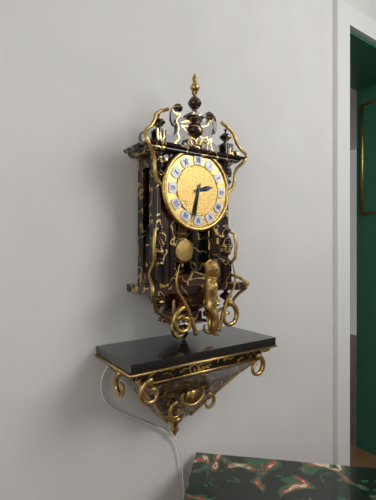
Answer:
2.32
